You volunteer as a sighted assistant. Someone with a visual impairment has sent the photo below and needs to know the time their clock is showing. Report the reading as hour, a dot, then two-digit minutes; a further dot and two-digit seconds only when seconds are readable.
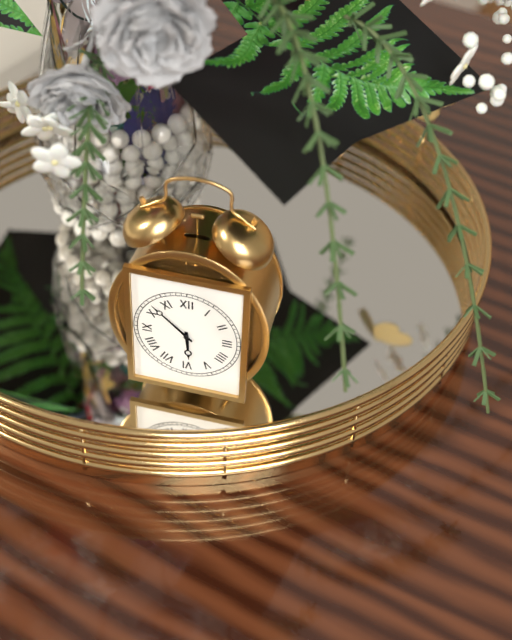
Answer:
5.52
